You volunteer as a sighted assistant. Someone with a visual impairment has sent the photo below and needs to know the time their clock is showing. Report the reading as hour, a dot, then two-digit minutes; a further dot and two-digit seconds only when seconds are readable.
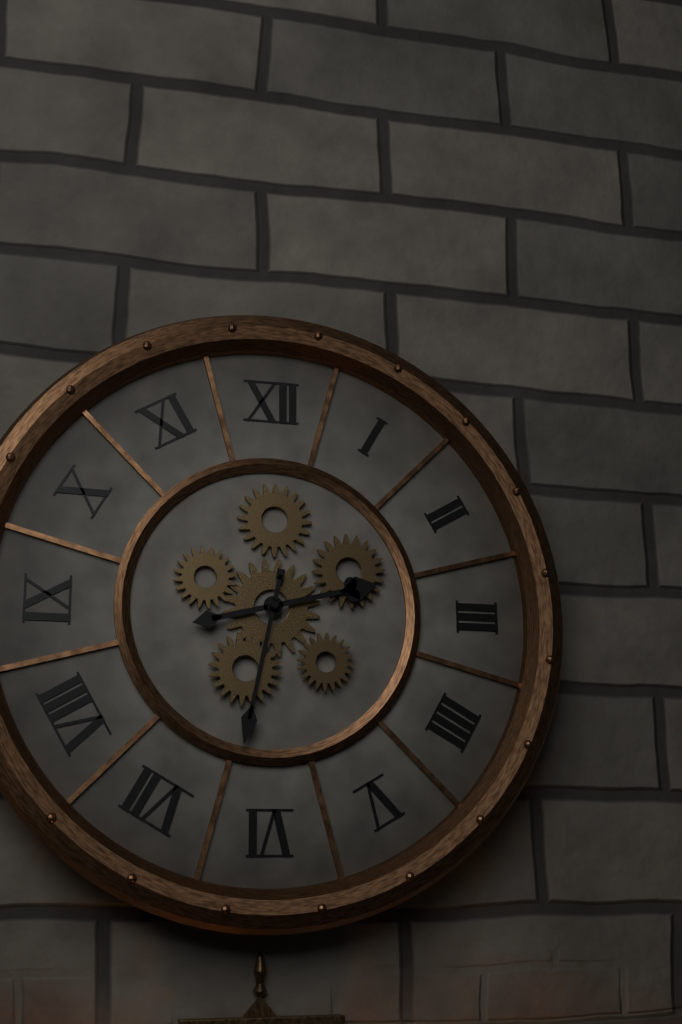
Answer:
2.32
